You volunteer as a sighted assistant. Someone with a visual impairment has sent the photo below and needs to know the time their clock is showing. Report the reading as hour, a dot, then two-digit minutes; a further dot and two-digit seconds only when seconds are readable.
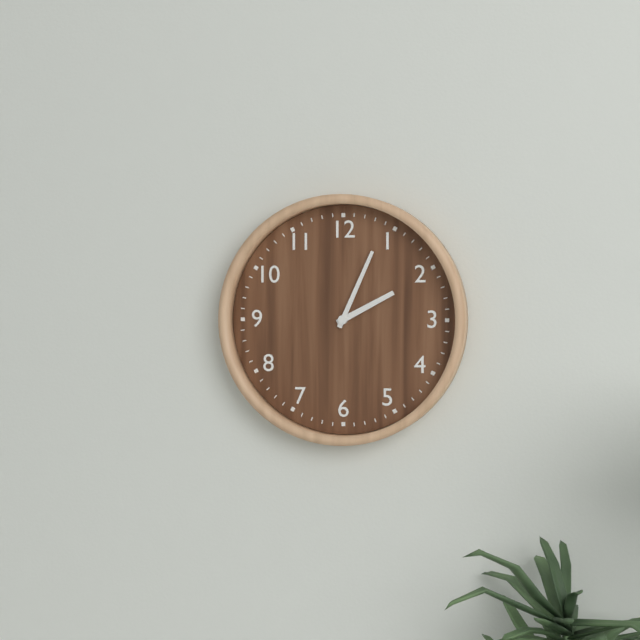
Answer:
2.04
